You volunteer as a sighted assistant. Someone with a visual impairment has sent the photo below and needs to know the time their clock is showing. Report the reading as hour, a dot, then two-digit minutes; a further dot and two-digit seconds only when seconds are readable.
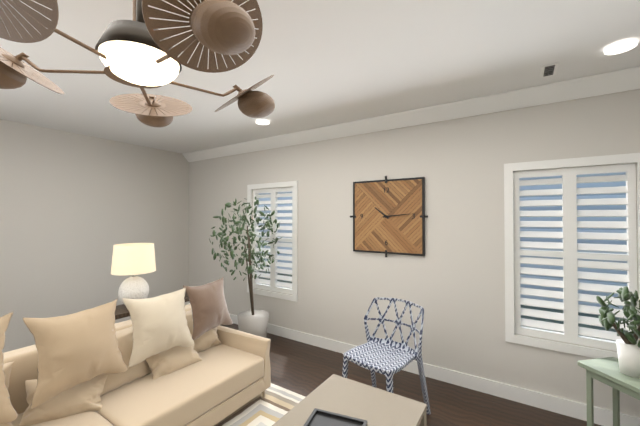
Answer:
10.14
